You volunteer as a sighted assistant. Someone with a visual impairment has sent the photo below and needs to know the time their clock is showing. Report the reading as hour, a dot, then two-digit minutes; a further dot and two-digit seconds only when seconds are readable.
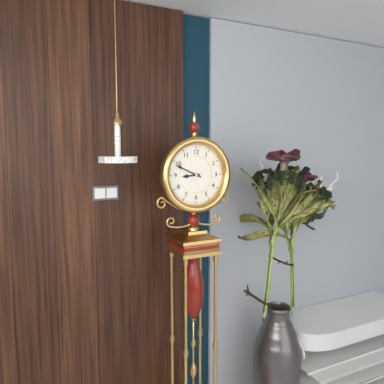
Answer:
8.49
